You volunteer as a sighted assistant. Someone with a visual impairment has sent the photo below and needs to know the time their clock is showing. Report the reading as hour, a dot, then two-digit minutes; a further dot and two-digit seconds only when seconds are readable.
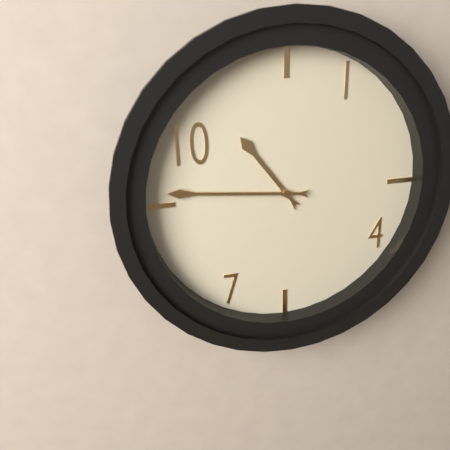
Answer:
10.46
